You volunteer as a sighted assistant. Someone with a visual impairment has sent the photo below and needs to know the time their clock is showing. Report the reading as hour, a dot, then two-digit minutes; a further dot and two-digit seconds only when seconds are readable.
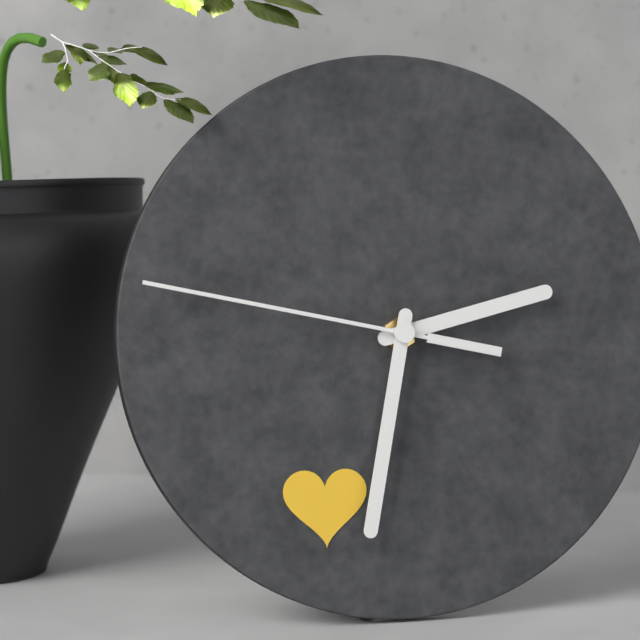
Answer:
2.32.47
